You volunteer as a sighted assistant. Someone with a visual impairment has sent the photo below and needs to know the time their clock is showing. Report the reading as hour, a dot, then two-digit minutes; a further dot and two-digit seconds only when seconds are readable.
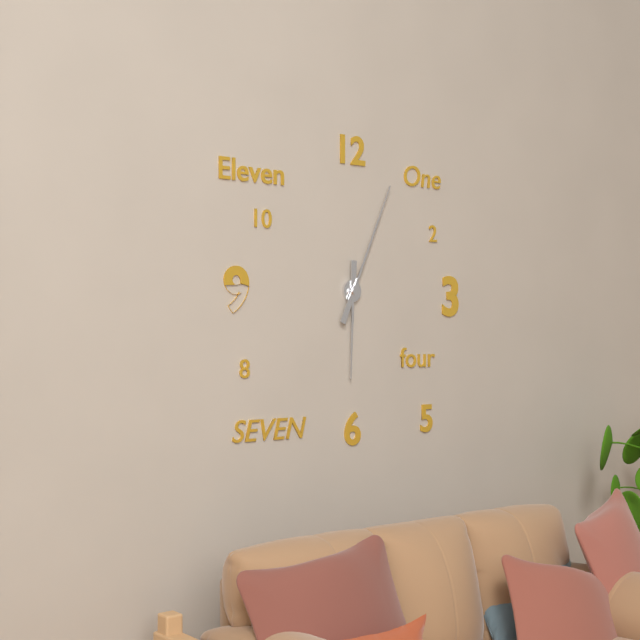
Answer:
6.04
